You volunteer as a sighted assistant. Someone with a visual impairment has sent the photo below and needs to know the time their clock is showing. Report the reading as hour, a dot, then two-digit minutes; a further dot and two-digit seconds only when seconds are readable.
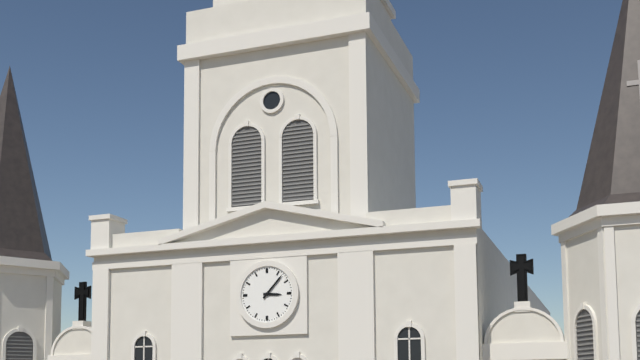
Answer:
3.07
